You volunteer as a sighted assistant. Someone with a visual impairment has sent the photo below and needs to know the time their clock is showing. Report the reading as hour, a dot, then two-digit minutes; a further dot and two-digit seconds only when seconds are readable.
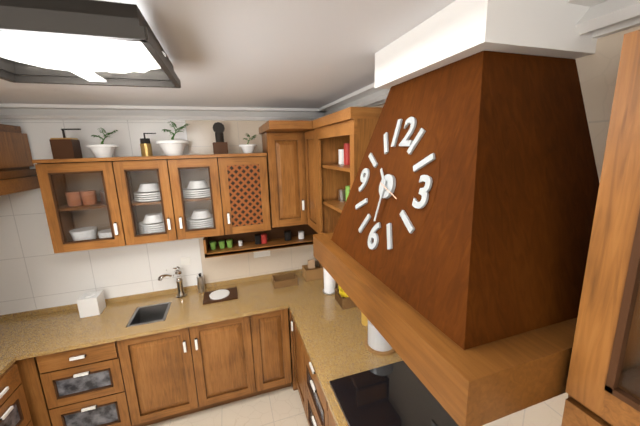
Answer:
10.30
